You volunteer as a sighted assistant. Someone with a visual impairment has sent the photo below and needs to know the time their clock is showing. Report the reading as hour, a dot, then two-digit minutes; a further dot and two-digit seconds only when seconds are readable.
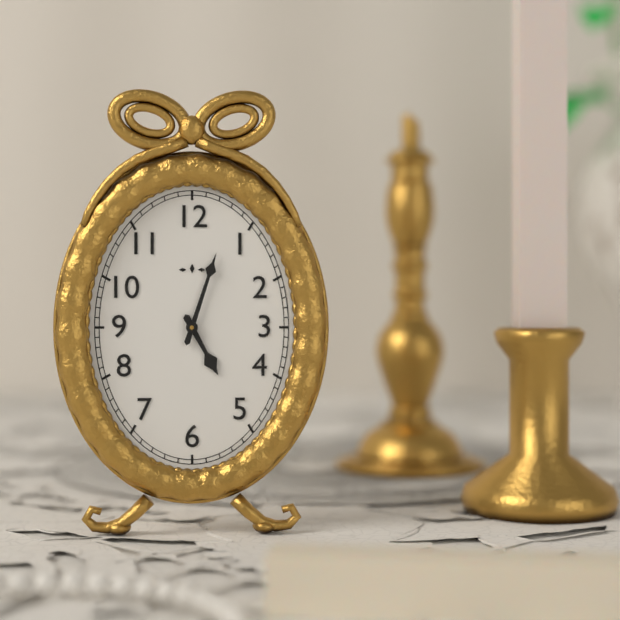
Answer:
5.03
